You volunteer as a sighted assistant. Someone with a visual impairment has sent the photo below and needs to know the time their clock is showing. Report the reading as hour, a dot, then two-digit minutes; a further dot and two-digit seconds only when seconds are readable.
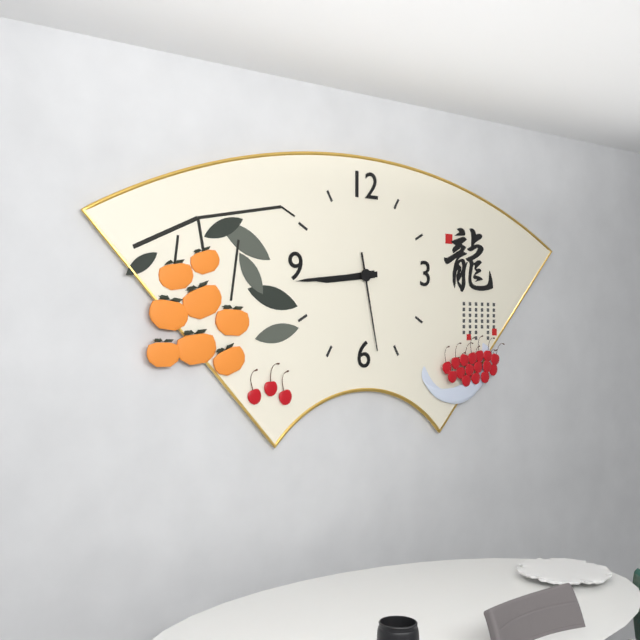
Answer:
8.44.28
